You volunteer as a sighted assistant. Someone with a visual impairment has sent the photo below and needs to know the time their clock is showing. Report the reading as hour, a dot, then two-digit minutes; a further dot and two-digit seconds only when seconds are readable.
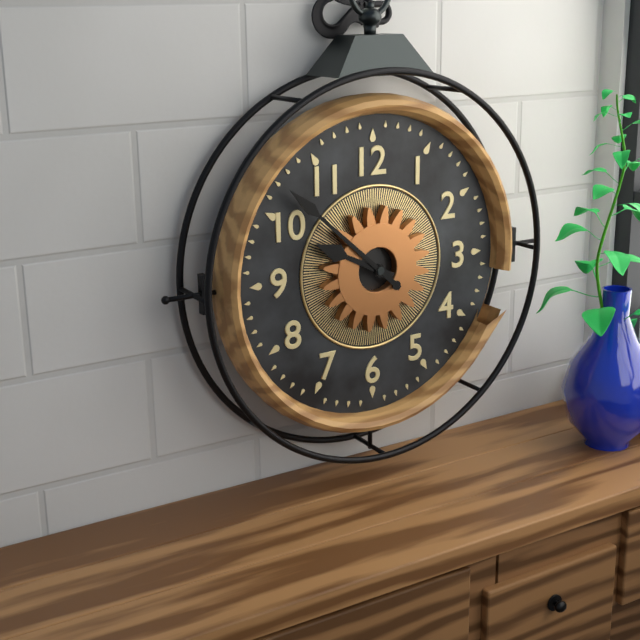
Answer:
9.52
